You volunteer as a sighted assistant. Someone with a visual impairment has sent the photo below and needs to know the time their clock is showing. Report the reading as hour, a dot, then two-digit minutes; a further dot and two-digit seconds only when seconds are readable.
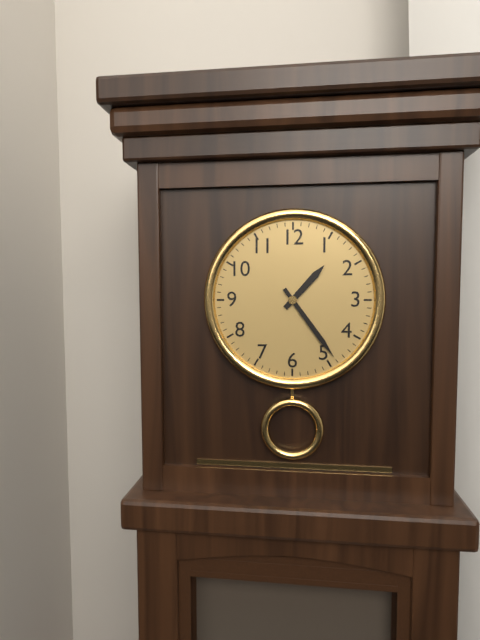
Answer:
1.24
